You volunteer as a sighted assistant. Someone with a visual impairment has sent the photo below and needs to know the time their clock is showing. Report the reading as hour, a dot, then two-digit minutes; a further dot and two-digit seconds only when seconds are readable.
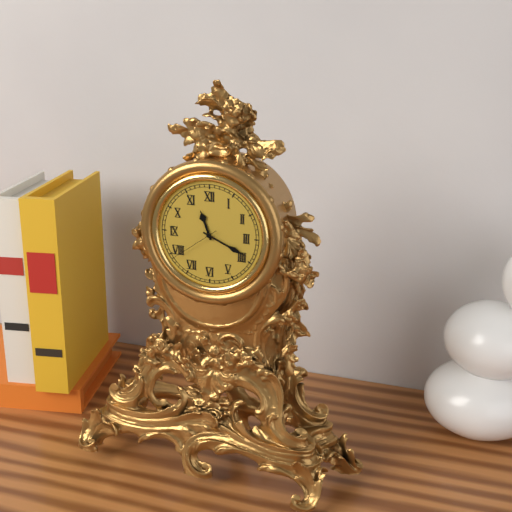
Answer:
11.19.39
